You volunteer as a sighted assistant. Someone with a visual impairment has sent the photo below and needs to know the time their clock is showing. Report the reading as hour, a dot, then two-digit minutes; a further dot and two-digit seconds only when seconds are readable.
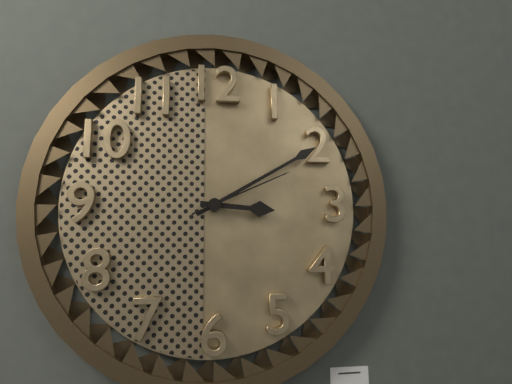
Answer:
3.10.11
